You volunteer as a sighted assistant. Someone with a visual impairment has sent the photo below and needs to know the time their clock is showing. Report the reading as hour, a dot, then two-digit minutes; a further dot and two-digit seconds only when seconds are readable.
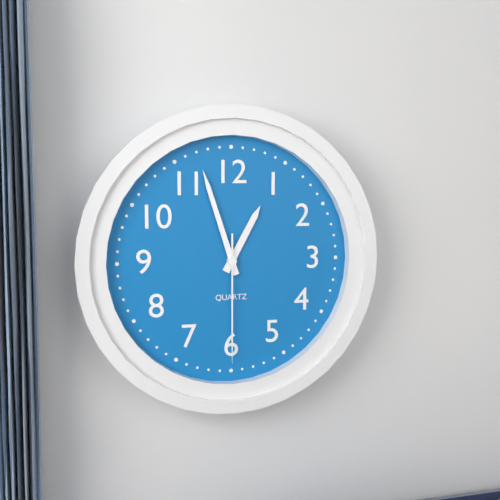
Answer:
12.57.30
